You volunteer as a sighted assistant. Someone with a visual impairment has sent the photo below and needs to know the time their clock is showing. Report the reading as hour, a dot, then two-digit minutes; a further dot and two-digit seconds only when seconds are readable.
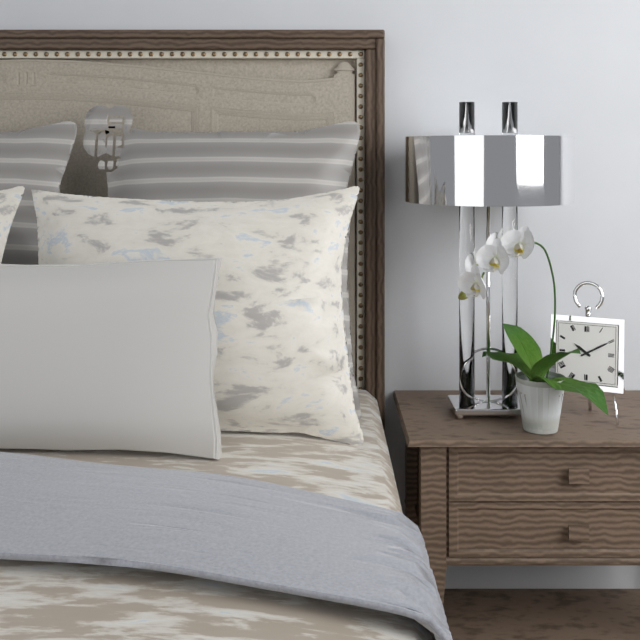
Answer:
10.10
